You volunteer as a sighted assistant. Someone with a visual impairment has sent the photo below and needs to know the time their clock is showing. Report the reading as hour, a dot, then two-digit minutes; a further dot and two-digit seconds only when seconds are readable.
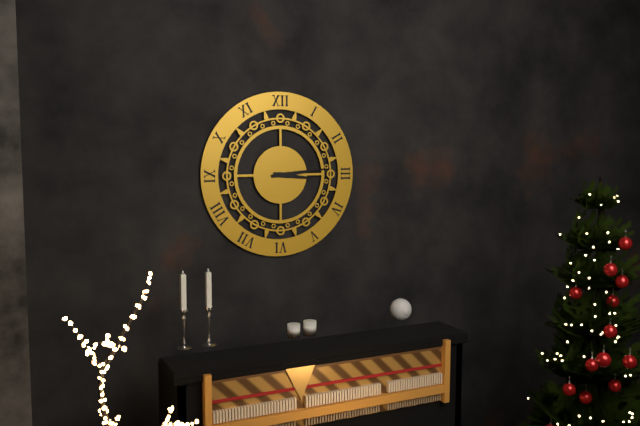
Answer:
3.14
